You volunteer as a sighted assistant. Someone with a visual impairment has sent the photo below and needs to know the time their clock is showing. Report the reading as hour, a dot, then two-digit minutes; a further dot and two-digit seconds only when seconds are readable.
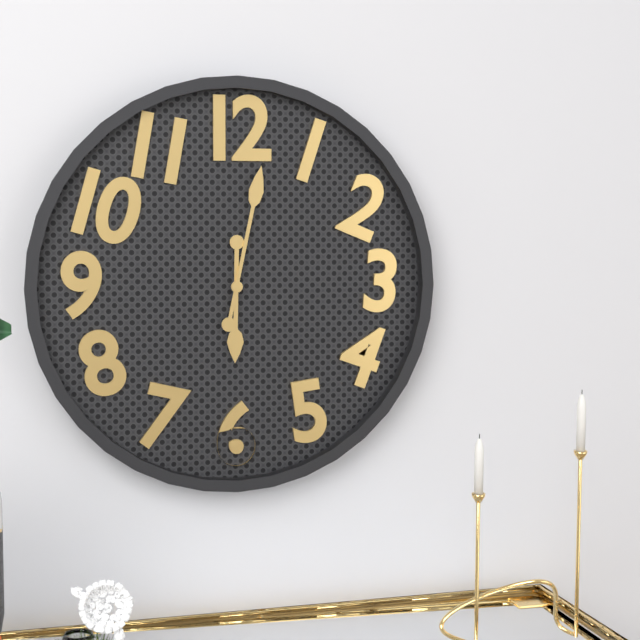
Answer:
6.02
